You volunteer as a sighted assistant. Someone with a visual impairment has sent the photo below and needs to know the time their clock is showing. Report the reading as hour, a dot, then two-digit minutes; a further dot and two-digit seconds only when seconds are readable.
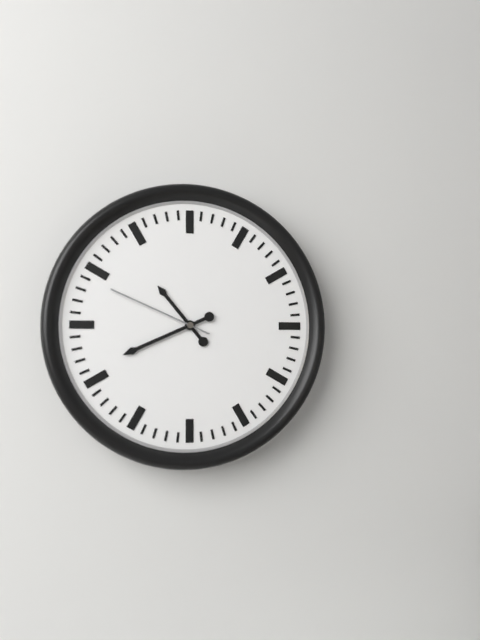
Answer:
10.41.49
